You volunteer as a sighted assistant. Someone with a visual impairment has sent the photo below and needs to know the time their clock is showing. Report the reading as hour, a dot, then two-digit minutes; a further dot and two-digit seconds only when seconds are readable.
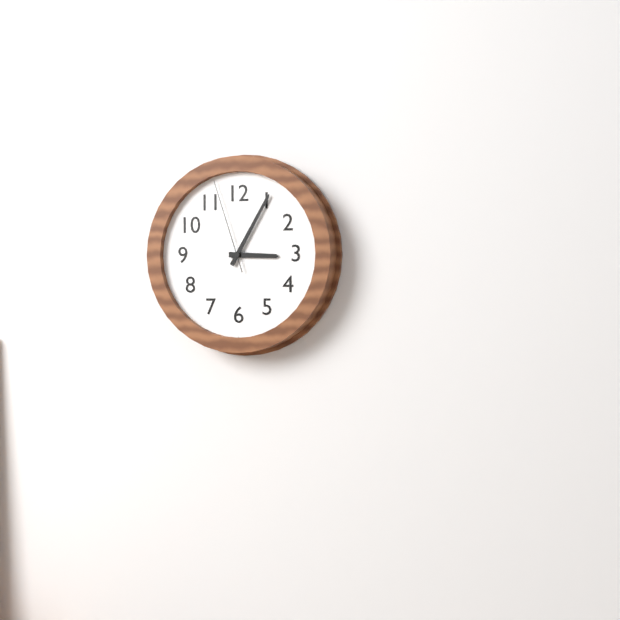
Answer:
3.05.57
